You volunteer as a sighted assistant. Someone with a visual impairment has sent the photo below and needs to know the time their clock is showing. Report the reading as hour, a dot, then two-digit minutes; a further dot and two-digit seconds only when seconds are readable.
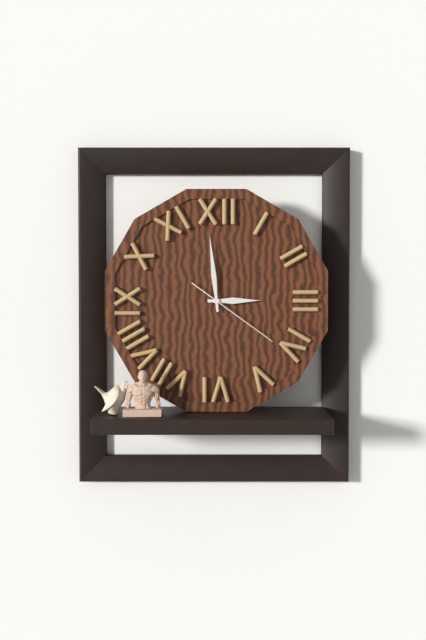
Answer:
2.59.21
